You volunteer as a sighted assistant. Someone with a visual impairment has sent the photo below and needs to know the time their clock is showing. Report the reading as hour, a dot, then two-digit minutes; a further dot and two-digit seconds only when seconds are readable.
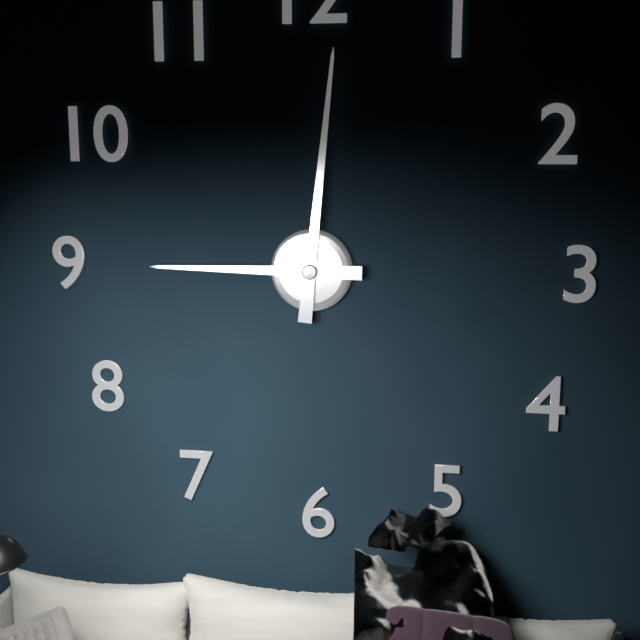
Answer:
9.01
